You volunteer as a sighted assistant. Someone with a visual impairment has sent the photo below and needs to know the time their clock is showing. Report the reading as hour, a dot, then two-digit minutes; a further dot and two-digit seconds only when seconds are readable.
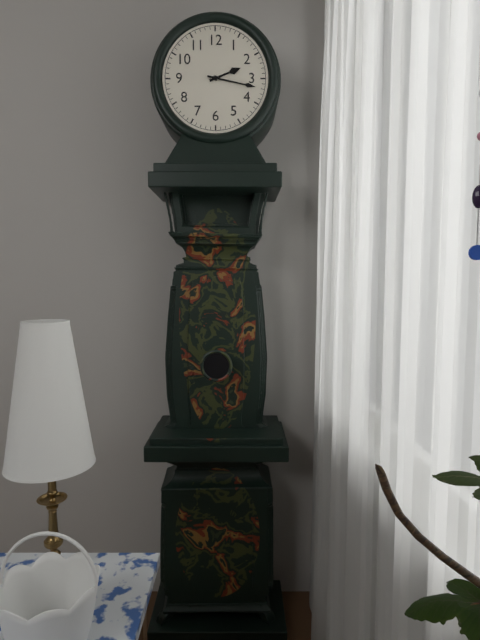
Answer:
2.17
